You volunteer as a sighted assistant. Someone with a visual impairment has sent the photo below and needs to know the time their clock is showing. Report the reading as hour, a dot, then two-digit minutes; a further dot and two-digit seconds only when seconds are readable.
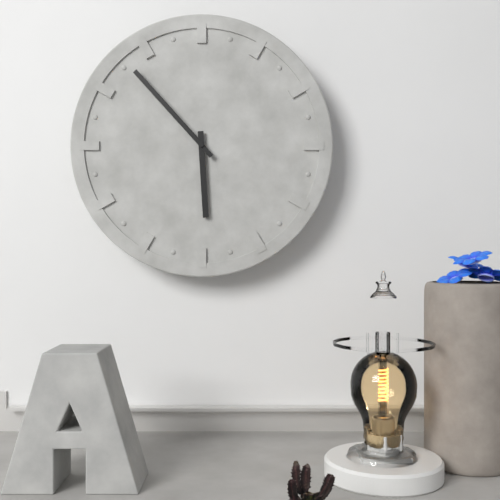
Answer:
5.53
